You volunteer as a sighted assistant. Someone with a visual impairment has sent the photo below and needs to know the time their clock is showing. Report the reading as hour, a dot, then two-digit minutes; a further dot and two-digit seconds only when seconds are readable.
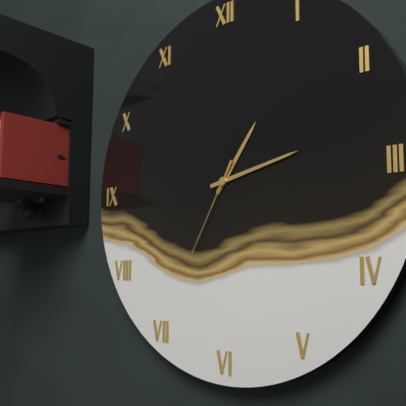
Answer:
1.13.35
